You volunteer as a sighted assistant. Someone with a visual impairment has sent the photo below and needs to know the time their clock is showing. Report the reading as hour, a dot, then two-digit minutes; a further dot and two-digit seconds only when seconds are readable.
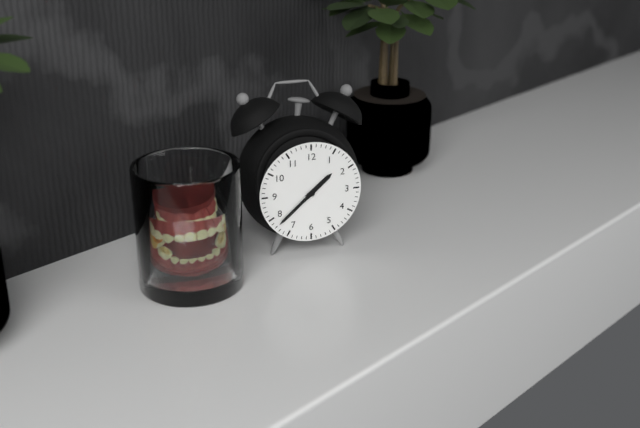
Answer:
1.38
